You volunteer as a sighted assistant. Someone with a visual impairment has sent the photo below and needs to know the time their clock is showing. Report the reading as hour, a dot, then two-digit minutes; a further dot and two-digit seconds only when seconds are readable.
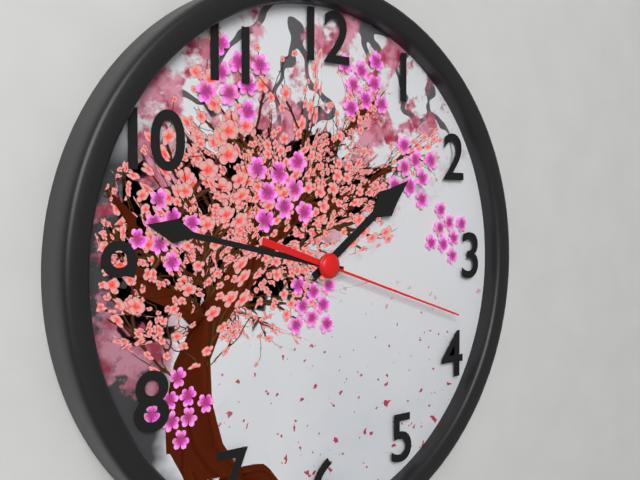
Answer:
1.47.18
